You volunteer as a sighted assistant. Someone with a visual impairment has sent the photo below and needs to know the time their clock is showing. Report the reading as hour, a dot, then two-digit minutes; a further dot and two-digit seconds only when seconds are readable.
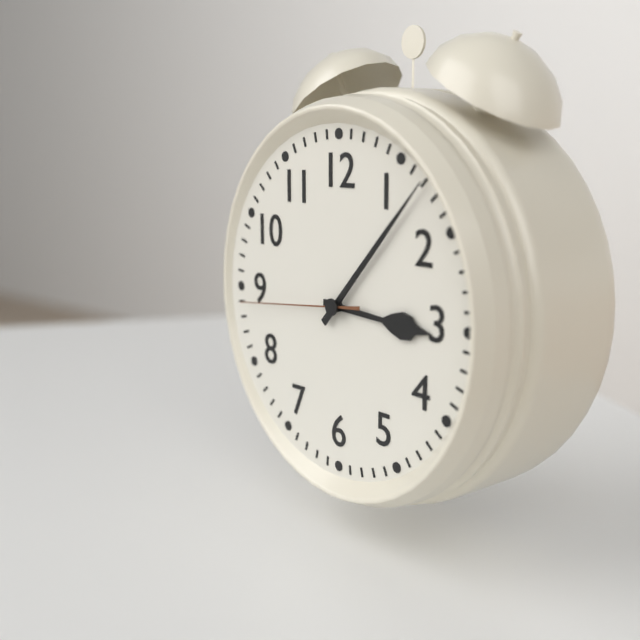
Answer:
3.07.44
